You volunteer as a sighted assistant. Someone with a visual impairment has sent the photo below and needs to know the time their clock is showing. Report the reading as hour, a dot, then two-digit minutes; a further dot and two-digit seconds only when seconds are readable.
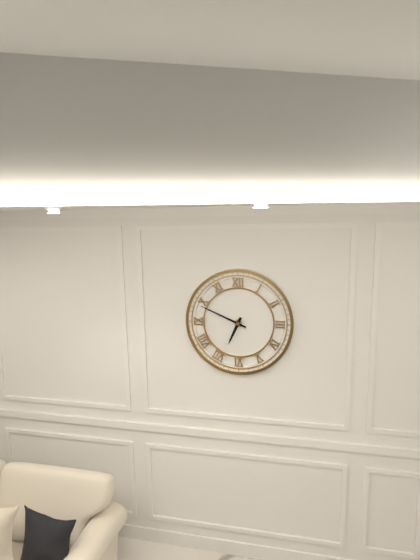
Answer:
6.49
